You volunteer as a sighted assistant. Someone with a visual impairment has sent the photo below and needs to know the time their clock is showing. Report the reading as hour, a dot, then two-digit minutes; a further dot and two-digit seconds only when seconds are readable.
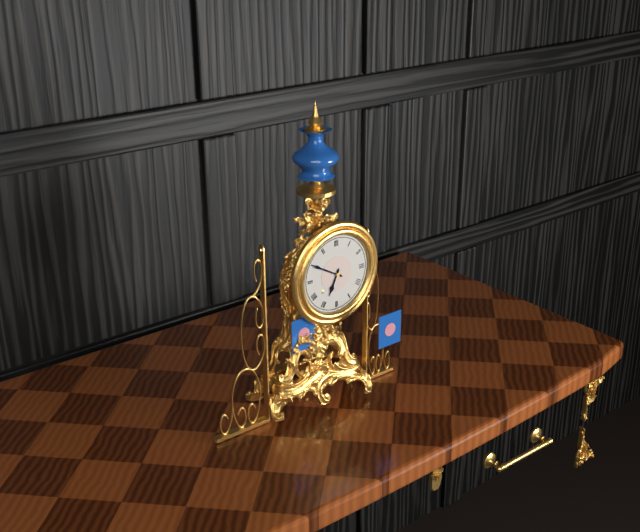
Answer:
6.50
